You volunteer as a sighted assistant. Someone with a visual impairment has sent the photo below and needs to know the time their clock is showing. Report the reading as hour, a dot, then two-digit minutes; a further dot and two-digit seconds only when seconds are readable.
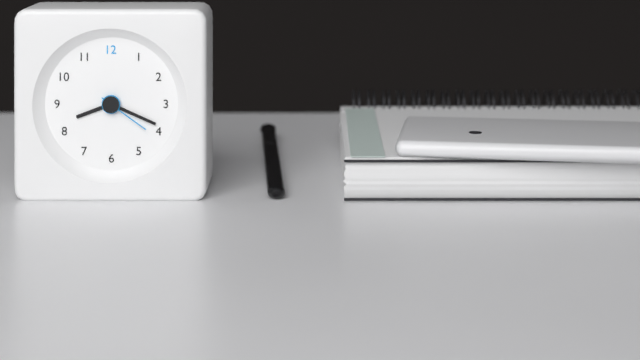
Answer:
8.19.21
